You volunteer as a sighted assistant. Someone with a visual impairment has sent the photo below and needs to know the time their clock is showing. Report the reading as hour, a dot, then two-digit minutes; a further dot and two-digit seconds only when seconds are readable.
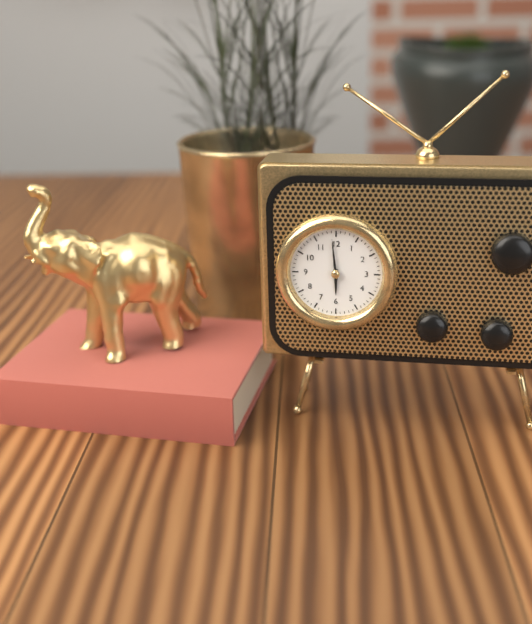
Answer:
5.59
